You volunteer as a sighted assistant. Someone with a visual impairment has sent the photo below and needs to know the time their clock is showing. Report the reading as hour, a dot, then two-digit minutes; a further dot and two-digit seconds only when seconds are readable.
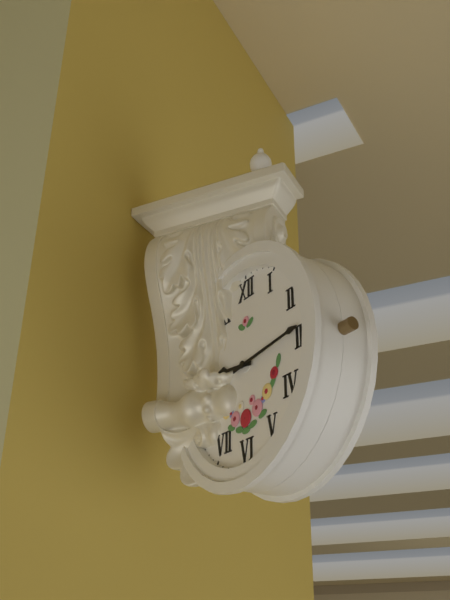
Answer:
9.14
